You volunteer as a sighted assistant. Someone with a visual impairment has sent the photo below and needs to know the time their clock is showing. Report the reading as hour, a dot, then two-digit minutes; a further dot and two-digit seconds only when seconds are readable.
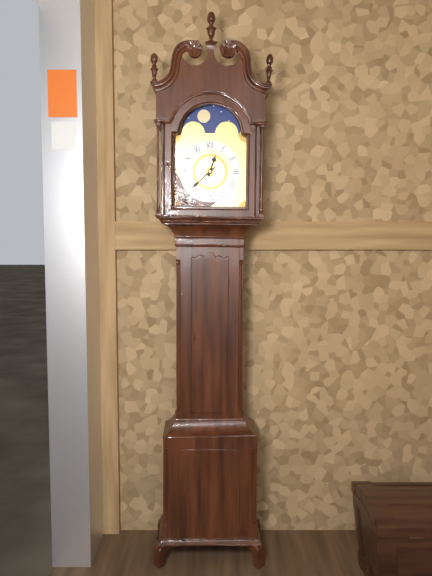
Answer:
12.38
